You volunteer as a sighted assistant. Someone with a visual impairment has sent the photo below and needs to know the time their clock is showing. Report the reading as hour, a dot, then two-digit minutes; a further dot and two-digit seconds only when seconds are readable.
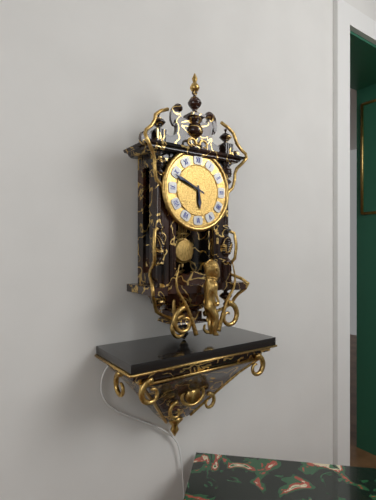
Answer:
5.49
